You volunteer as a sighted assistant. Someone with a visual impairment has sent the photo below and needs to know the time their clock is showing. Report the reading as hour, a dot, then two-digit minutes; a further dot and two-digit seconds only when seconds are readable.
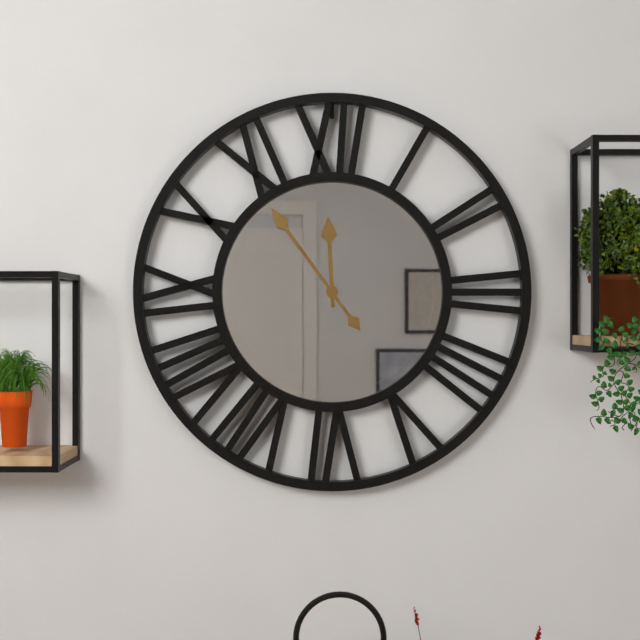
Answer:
11.54
